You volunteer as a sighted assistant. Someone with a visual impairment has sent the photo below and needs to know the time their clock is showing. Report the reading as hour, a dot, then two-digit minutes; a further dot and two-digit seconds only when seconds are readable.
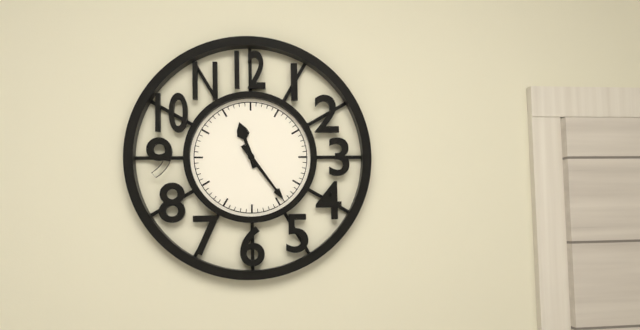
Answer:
11.24
